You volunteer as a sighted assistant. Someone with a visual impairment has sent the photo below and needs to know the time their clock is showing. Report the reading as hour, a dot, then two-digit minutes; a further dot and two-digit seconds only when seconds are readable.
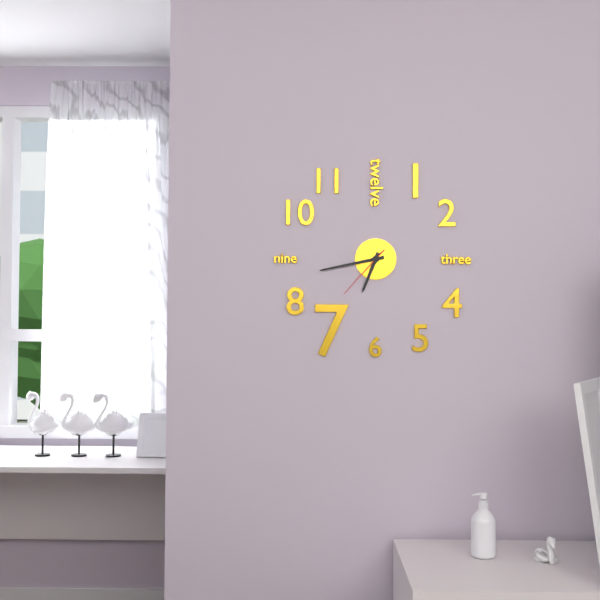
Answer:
6.43.37
